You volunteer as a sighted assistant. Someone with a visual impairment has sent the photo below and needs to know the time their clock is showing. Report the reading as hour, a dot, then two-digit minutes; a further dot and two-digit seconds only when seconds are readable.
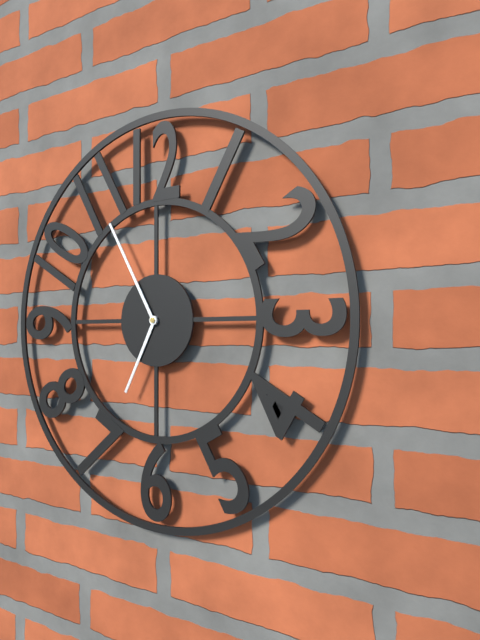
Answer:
6.55
